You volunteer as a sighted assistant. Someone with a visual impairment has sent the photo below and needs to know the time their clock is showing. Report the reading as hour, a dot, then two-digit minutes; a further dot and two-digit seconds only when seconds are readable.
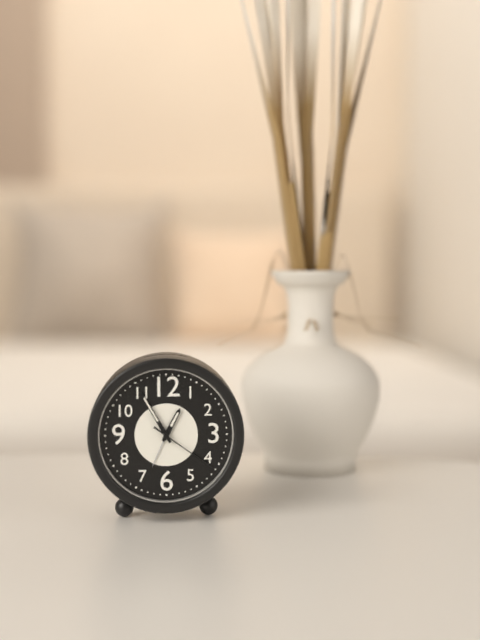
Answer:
12.55.21
